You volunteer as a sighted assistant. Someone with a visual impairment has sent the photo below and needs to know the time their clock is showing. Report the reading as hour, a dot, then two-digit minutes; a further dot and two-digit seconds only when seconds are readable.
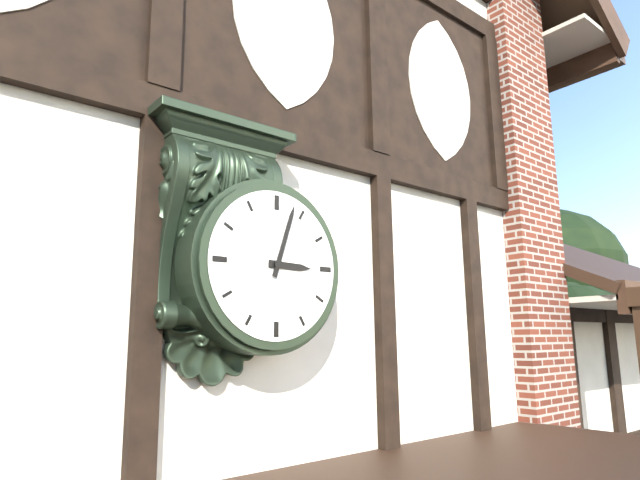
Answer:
3.03
